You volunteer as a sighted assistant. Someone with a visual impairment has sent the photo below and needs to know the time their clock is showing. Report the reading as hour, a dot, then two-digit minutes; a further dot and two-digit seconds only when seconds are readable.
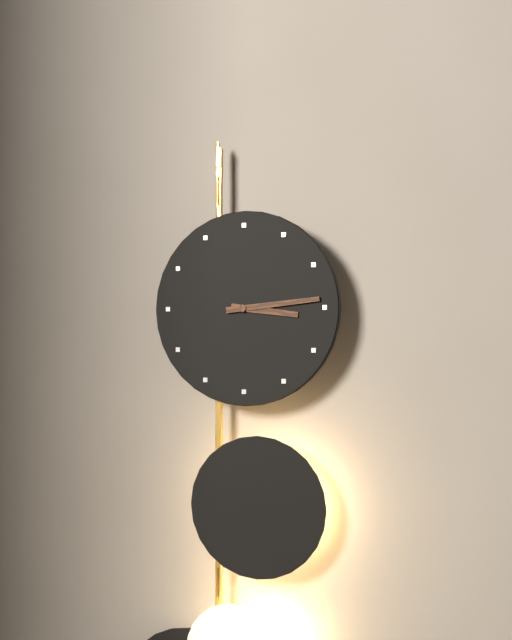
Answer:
3.14
